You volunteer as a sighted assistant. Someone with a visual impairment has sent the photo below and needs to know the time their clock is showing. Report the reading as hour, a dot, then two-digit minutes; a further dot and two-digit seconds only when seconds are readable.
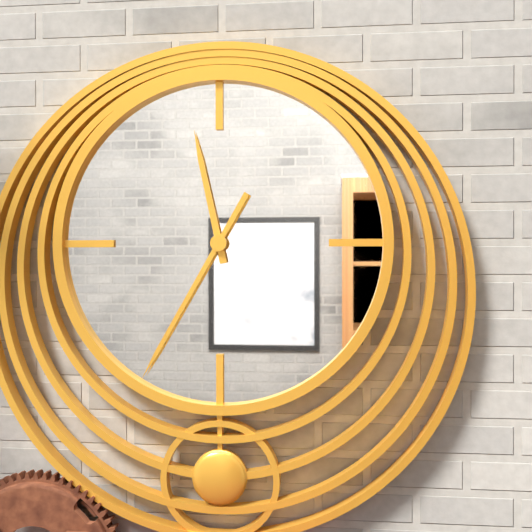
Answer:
11.35
